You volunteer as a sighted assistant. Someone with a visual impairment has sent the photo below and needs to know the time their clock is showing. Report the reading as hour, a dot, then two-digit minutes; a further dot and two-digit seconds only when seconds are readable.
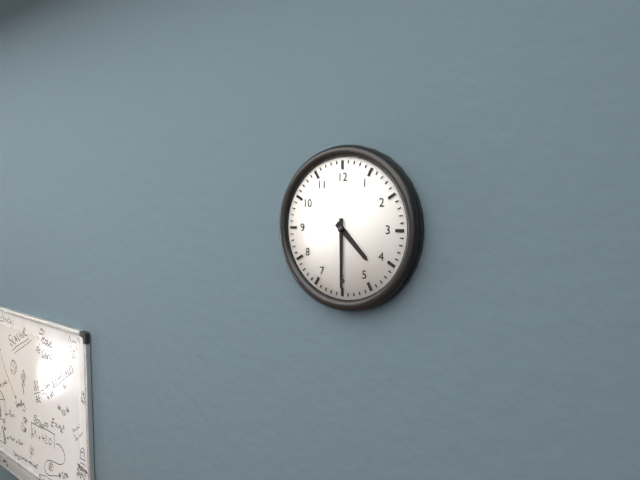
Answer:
4.30
